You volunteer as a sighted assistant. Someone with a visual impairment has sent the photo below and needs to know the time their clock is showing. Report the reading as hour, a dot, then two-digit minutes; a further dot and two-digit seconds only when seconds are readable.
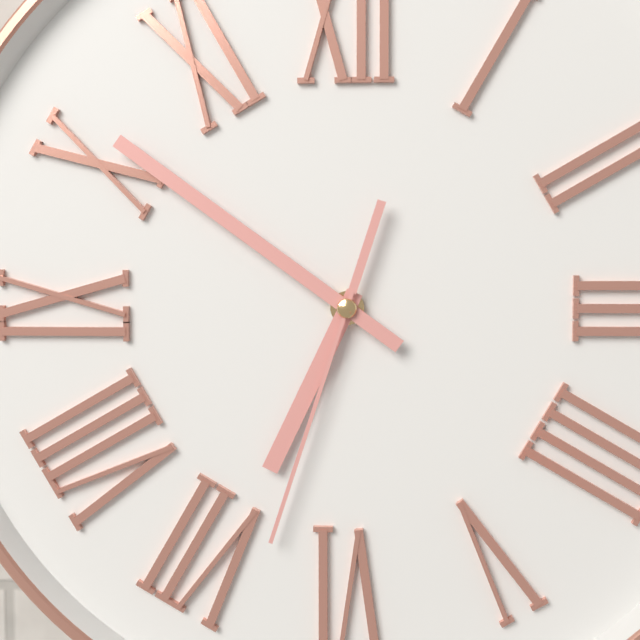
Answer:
6.51.33
